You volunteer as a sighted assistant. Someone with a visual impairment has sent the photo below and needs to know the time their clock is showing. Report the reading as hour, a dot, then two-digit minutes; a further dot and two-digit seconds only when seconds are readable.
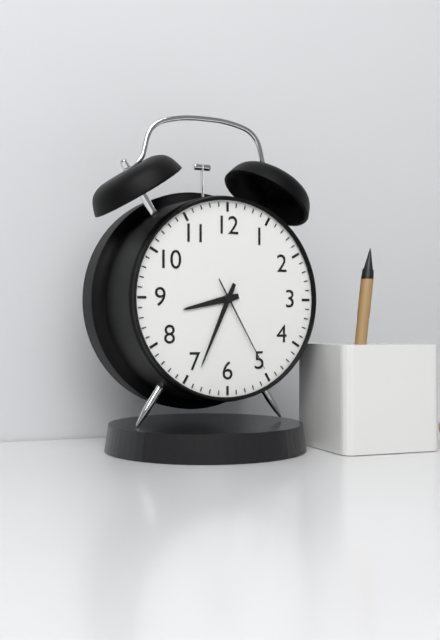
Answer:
8.34.25
